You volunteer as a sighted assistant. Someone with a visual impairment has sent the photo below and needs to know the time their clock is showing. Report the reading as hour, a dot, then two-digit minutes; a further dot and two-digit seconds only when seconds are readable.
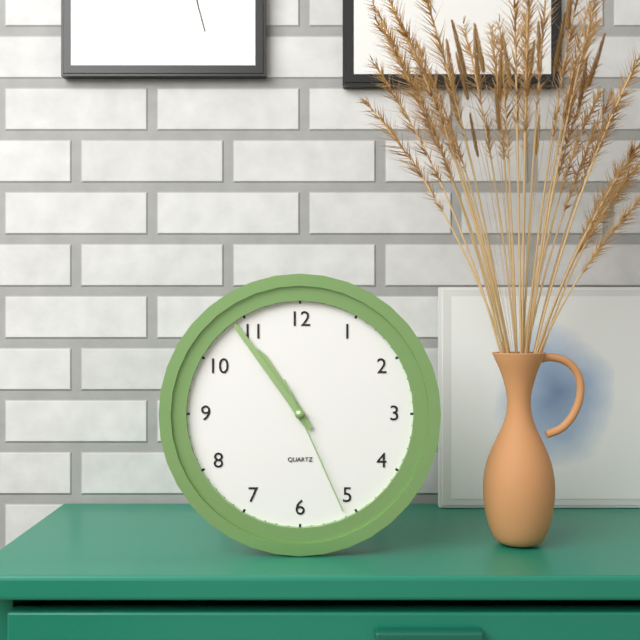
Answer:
10.54.26
